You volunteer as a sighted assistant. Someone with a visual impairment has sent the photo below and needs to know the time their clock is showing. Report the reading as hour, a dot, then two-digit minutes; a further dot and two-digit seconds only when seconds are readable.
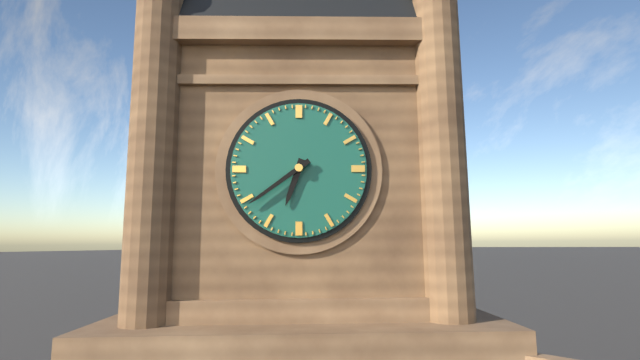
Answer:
6.39
